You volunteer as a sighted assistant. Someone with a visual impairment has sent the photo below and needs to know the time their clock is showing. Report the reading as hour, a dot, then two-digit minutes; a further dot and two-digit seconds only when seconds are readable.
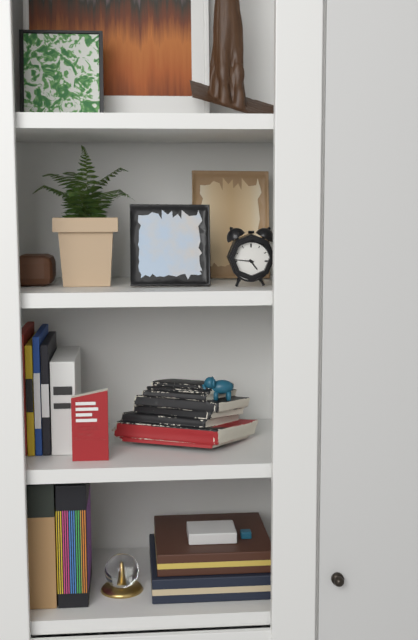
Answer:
4.46
